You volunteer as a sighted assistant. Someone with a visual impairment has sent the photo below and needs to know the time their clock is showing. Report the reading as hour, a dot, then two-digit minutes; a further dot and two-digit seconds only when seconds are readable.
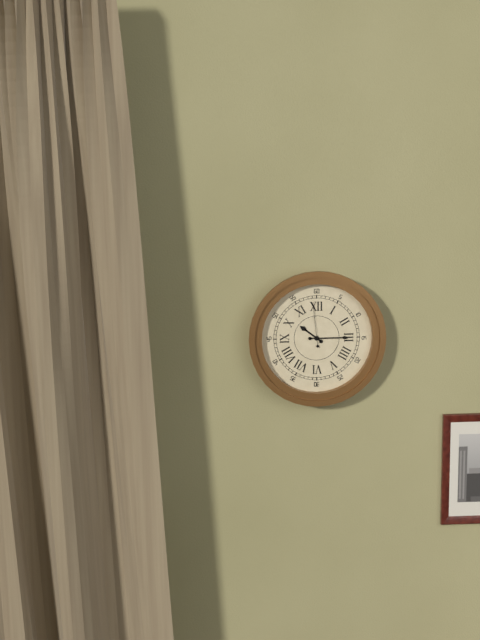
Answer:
10.15
